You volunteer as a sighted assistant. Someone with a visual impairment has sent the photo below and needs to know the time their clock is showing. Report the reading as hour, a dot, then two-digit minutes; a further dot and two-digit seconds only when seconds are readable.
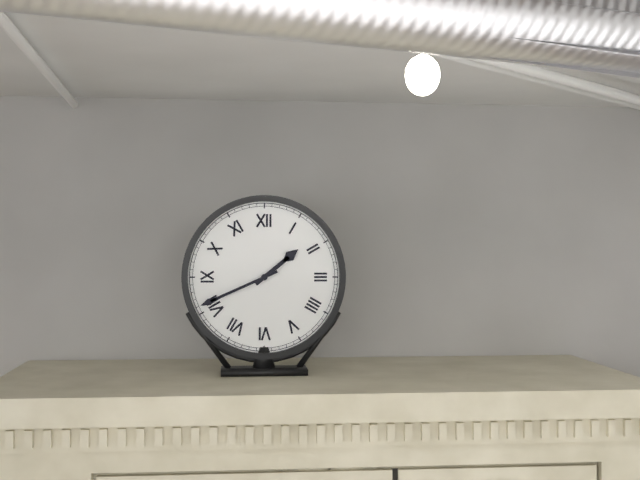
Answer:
1.41
